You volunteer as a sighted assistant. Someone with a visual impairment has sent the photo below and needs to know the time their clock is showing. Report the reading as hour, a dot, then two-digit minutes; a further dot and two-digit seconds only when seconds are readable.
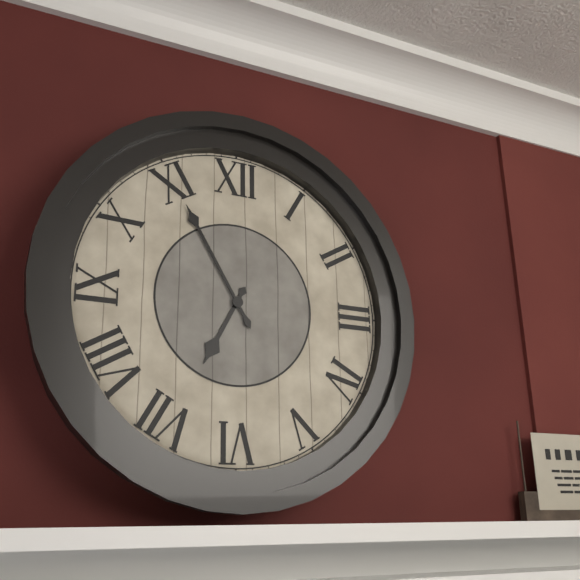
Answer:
6.55
